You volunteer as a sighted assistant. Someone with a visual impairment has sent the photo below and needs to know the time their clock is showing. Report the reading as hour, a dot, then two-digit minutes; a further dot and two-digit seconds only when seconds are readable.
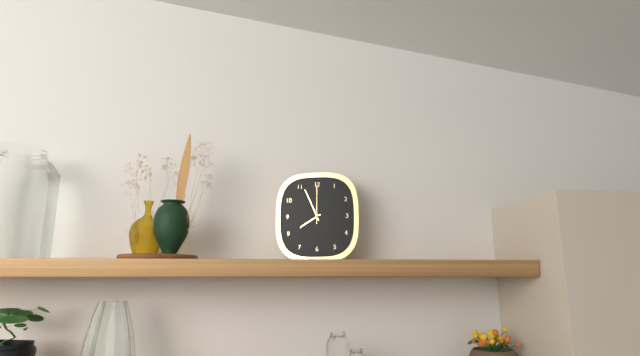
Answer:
7.56
